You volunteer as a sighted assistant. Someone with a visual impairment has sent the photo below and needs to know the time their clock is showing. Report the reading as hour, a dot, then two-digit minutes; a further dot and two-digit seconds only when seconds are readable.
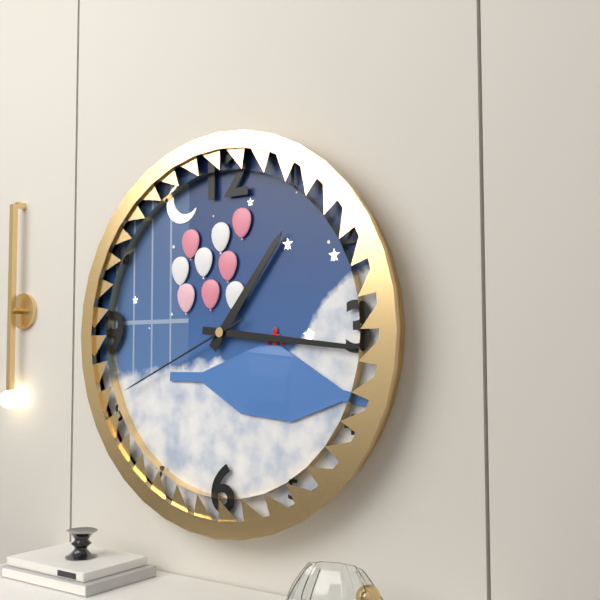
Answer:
1.16.41
